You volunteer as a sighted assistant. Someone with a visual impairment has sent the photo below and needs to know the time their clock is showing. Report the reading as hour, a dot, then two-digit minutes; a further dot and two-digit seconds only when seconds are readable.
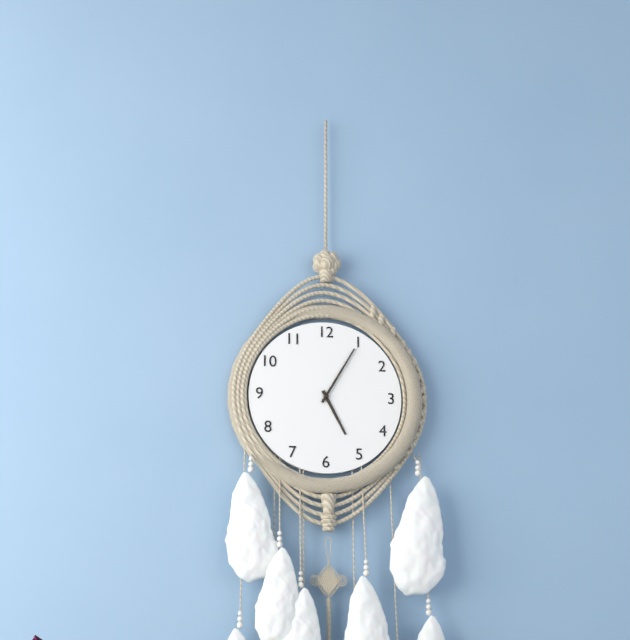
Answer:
5.05
